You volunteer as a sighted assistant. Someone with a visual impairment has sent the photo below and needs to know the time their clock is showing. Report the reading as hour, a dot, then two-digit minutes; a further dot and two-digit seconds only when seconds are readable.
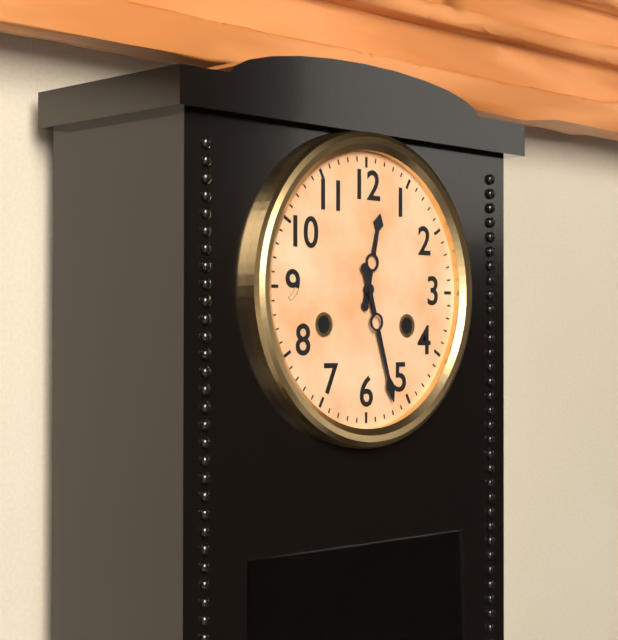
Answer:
12.27
